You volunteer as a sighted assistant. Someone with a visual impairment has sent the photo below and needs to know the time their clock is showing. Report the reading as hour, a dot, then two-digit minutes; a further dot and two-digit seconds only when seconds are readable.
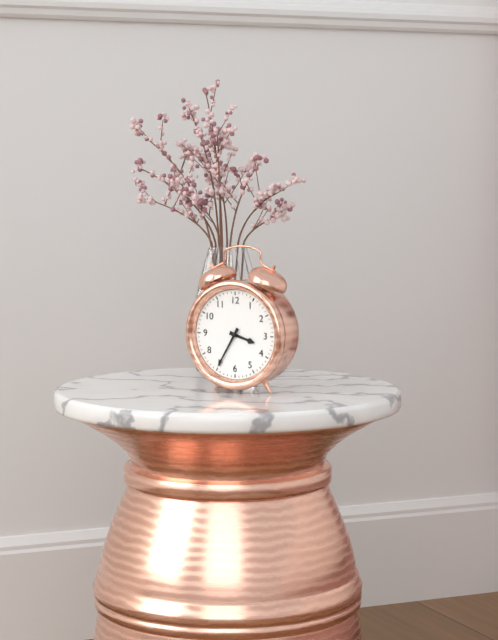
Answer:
3.35
